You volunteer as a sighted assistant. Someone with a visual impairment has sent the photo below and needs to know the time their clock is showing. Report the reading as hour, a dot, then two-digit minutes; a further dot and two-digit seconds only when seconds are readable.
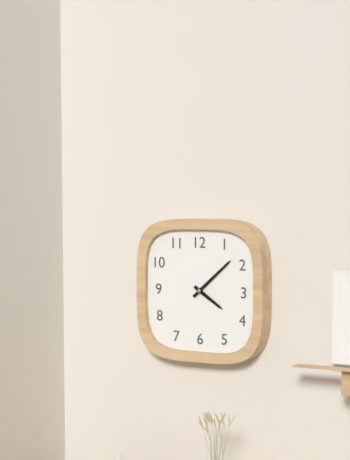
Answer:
4.08
